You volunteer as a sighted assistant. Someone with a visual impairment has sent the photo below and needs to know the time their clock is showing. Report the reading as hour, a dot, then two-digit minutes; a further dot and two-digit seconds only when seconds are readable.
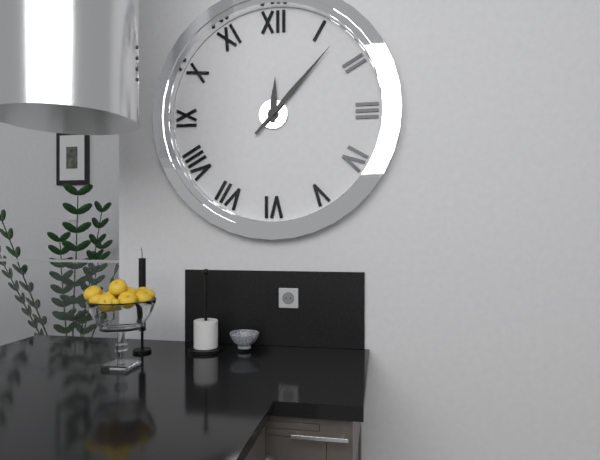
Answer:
12.07
